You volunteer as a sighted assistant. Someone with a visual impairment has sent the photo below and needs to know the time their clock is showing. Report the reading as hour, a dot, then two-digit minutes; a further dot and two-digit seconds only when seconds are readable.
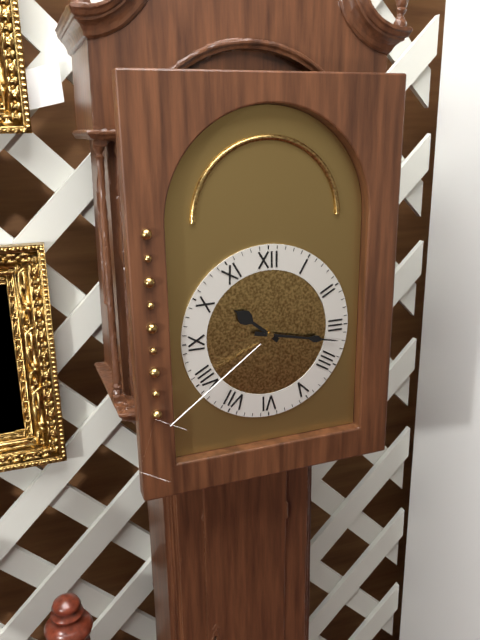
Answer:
10.17
